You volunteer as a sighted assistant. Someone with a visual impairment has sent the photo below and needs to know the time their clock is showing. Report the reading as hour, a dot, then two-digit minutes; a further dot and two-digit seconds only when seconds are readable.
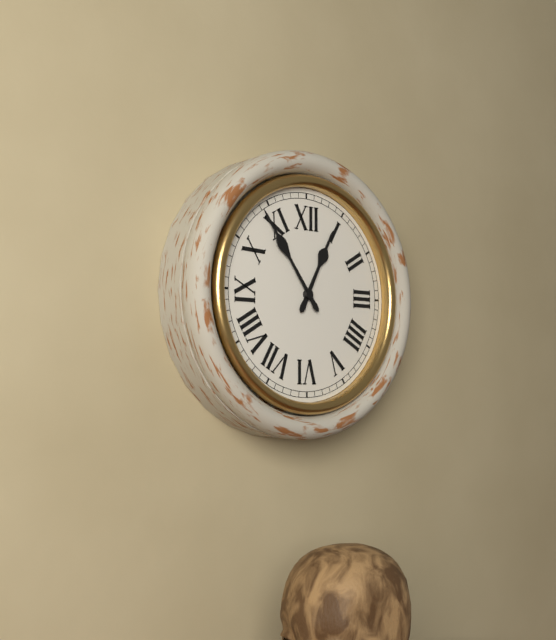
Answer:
12.54
